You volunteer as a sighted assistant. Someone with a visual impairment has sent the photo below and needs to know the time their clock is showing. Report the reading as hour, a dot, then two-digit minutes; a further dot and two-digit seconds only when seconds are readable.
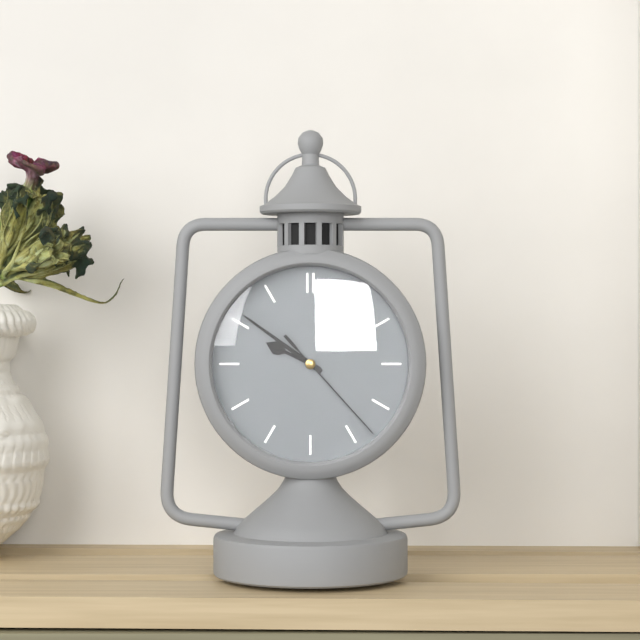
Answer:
9.51.23
